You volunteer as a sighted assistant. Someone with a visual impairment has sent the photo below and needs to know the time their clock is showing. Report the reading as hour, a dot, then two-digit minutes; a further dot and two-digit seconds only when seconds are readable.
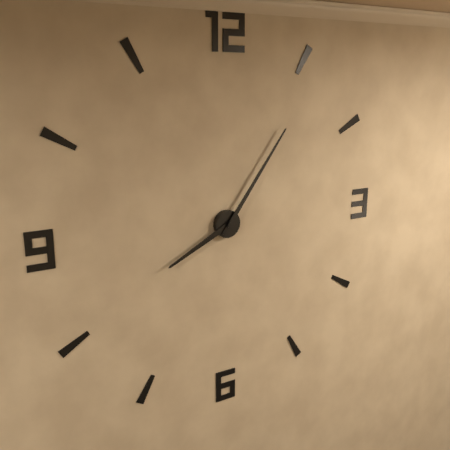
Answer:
8.06
